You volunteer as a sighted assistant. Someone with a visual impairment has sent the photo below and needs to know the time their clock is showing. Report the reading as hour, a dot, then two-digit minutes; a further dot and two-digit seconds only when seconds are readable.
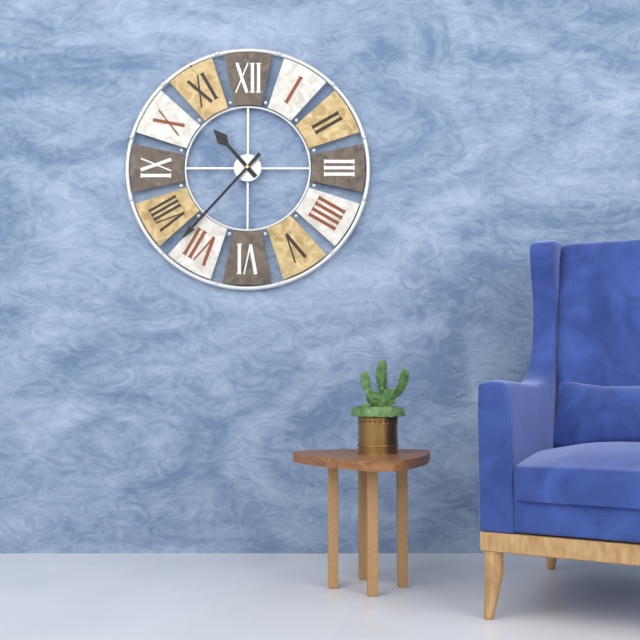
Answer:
10.37
